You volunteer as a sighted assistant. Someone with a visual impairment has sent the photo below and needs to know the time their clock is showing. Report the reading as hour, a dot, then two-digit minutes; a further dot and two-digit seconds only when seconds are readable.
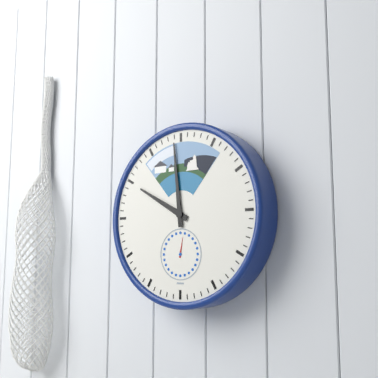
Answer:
9.59
